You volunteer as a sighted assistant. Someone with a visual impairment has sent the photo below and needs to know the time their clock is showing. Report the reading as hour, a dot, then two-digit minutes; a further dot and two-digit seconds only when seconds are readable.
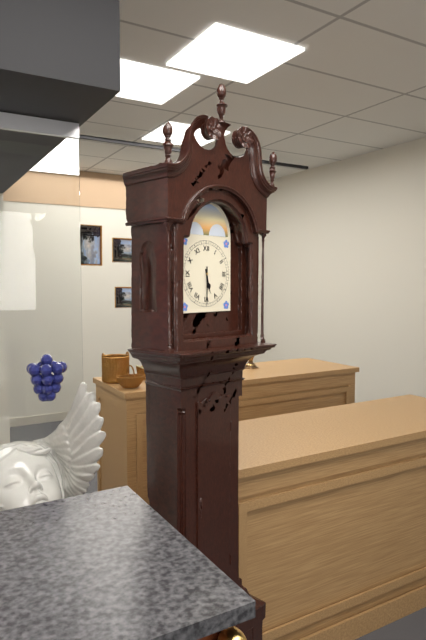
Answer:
5.30
